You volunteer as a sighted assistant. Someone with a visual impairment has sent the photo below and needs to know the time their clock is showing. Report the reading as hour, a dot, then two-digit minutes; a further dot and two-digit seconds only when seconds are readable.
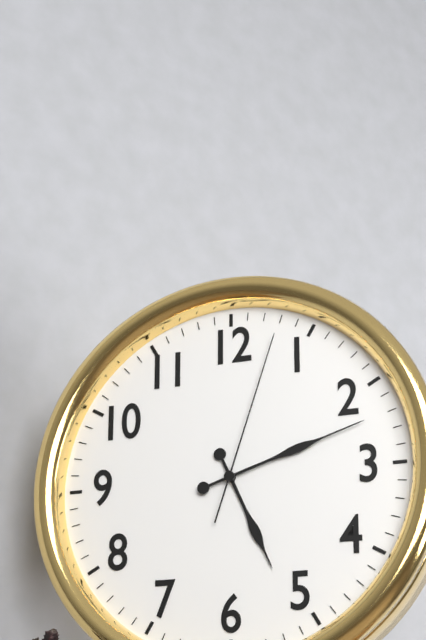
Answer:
5.12.03
